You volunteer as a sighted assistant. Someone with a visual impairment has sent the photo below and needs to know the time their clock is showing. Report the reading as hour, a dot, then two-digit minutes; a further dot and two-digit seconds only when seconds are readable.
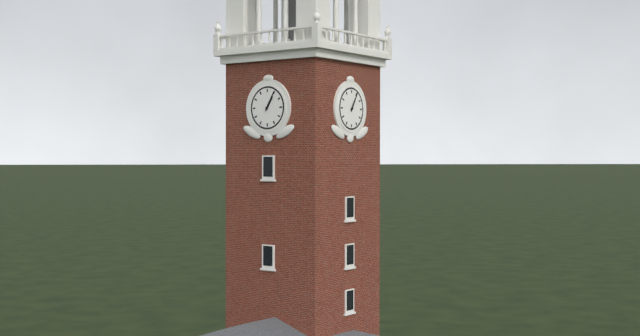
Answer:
1.05
